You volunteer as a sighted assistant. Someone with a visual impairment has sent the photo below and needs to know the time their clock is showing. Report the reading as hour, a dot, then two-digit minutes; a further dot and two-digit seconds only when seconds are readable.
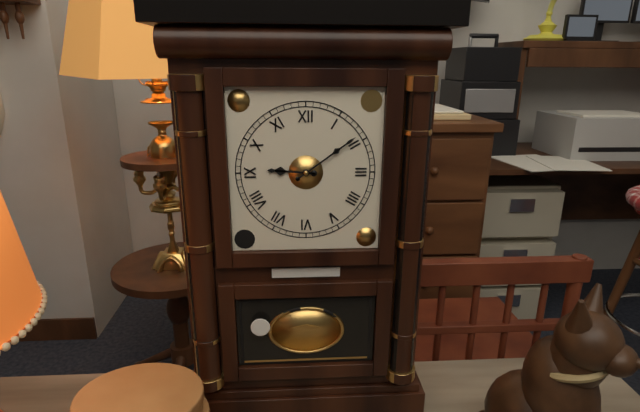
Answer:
9.09
